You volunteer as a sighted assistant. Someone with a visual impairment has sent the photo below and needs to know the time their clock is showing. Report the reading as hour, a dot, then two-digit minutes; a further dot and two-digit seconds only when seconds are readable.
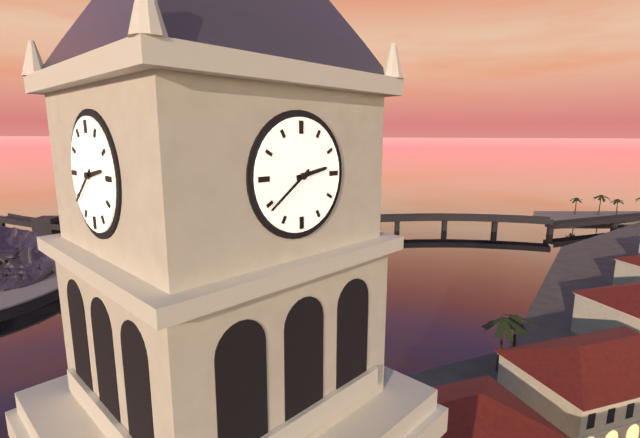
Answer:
2.39
